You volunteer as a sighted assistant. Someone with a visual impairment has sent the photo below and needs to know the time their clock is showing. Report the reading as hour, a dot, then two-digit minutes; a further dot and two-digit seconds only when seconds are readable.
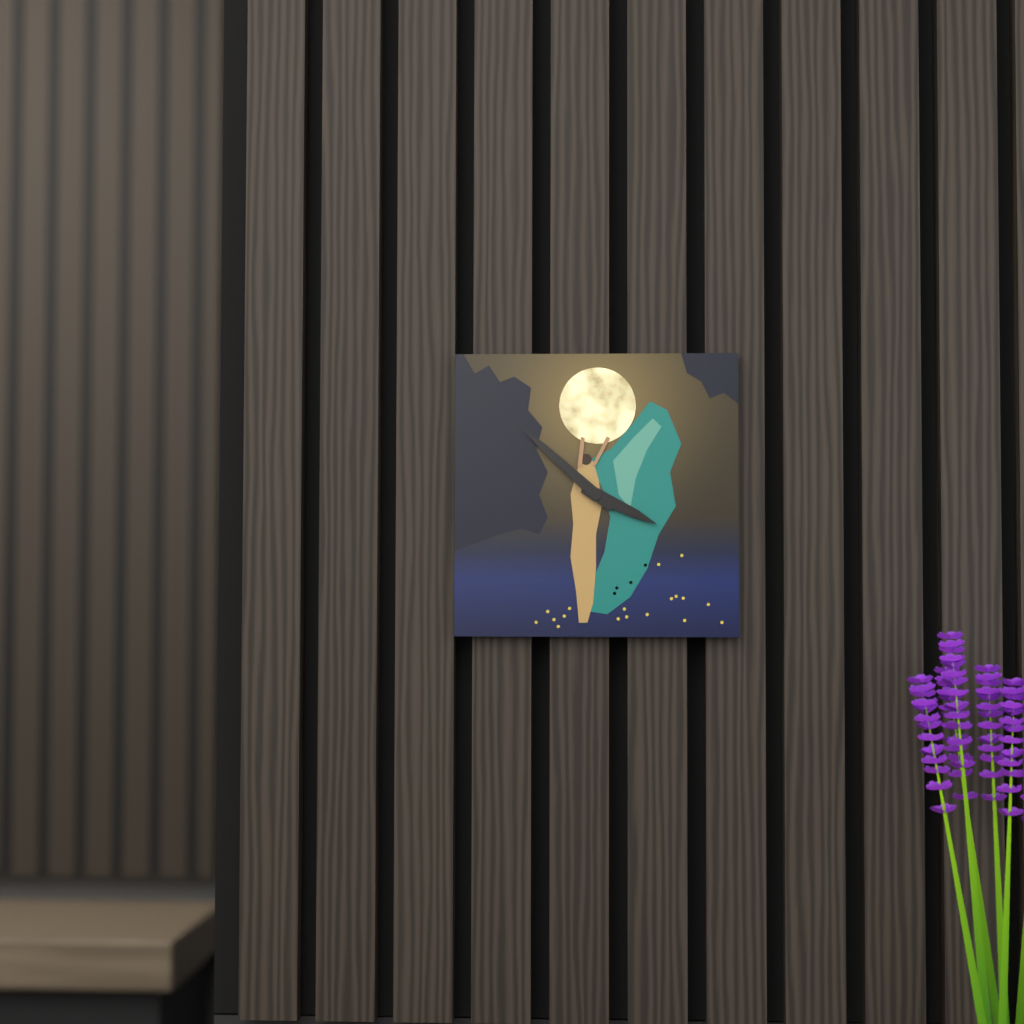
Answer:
3.52
